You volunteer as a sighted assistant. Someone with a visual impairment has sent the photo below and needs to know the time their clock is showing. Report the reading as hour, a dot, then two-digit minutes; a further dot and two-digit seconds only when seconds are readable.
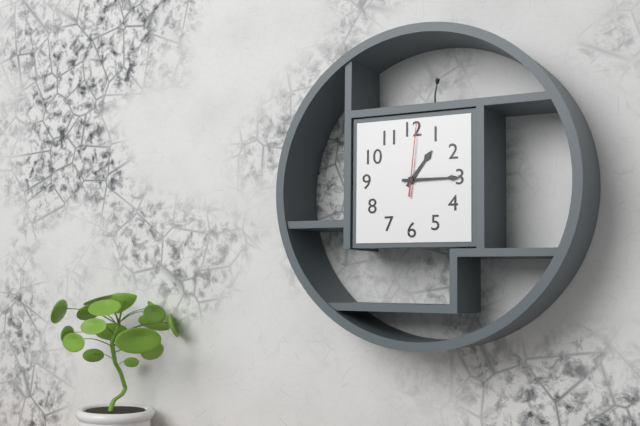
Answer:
1.15.01
